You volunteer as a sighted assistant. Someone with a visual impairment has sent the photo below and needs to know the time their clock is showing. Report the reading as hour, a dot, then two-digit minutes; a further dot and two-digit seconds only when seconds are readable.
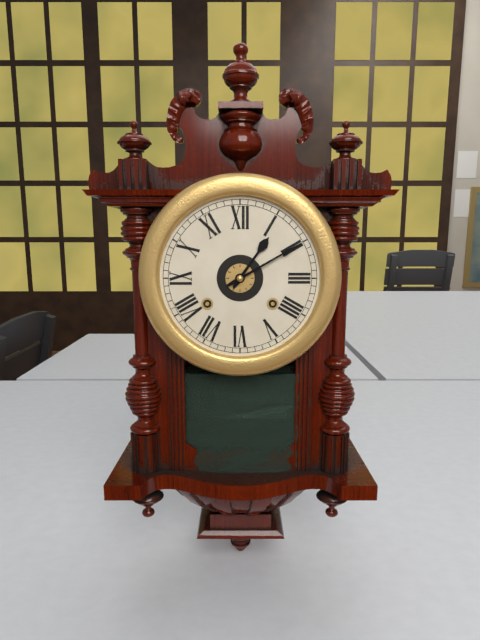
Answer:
1.10
